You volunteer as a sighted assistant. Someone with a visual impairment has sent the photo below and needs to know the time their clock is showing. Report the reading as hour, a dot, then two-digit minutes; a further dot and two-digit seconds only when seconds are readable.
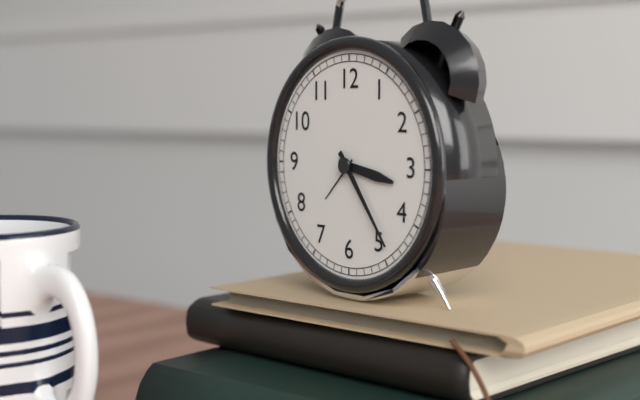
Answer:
3.24
